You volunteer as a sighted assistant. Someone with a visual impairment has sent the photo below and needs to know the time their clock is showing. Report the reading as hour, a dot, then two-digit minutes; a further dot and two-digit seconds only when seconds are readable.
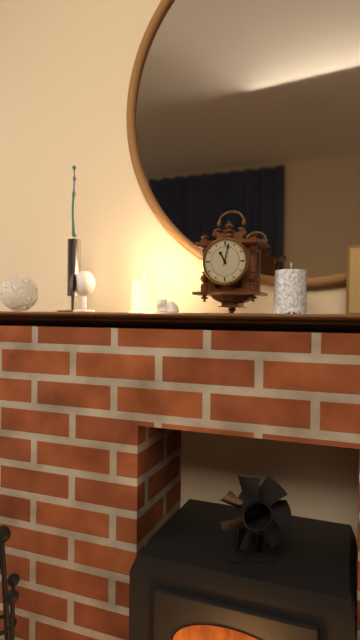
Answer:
11.02
